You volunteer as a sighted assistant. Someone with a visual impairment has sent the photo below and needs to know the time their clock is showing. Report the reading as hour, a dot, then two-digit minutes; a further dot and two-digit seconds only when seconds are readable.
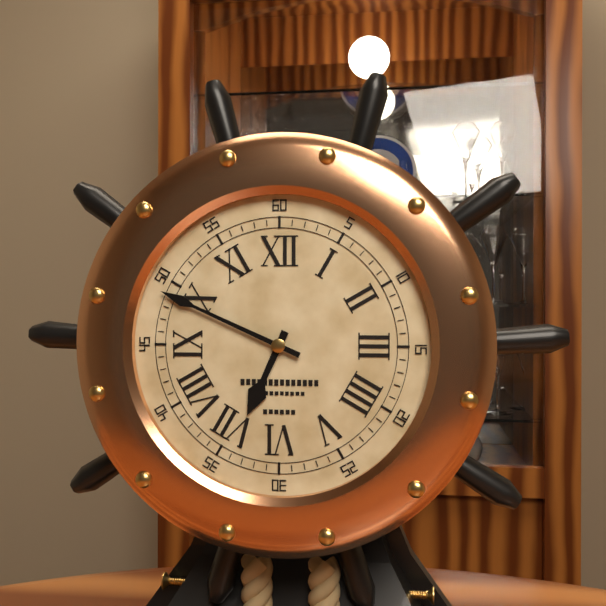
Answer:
6.49
